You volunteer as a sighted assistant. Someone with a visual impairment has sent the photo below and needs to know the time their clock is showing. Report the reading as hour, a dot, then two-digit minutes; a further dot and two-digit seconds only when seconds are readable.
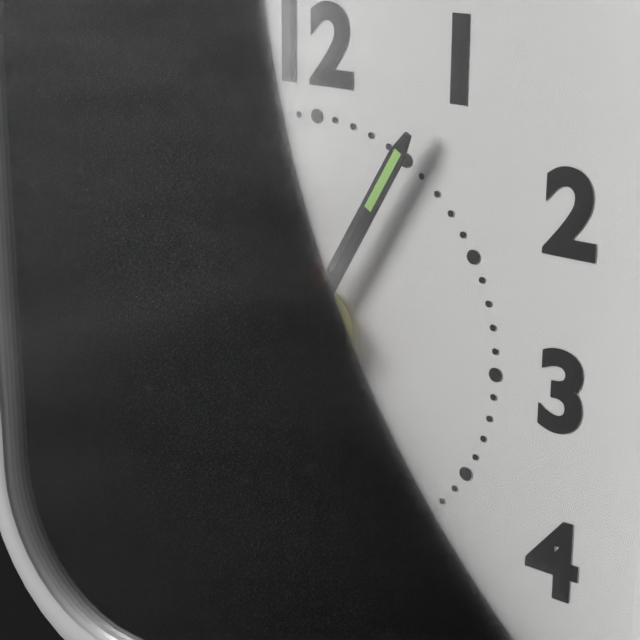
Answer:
9.05.32
